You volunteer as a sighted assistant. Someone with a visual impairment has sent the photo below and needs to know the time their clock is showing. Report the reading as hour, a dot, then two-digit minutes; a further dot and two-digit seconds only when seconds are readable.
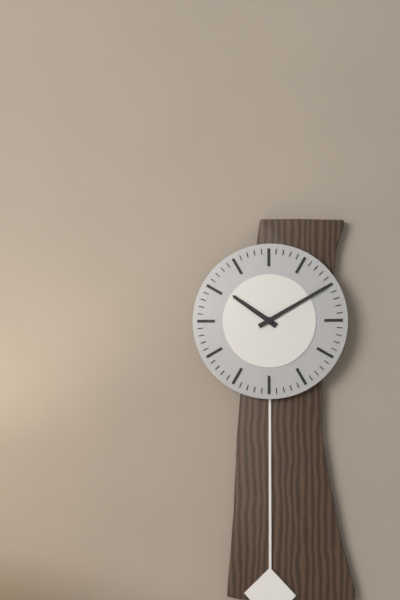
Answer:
10.10
